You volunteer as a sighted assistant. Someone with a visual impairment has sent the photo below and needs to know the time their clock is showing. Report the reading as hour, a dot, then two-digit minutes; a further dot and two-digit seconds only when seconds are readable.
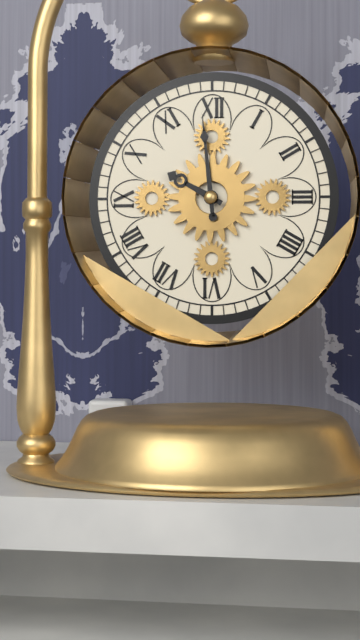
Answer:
9.59
